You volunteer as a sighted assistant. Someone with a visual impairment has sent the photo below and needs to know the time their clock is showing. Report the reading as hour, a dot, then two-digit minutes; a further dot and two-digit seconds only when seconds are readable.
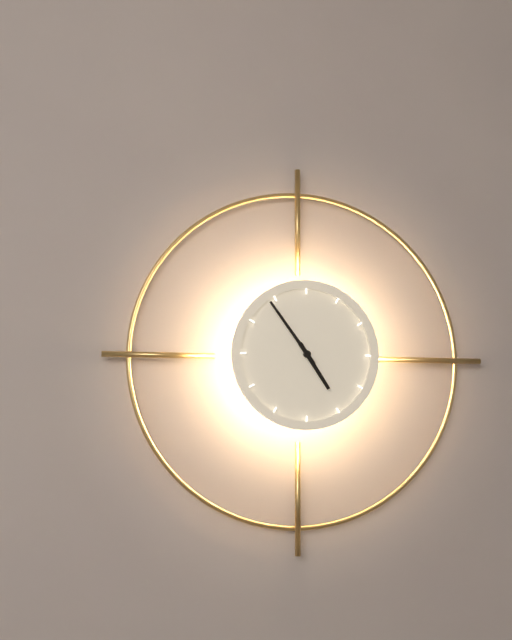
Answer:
4.54
